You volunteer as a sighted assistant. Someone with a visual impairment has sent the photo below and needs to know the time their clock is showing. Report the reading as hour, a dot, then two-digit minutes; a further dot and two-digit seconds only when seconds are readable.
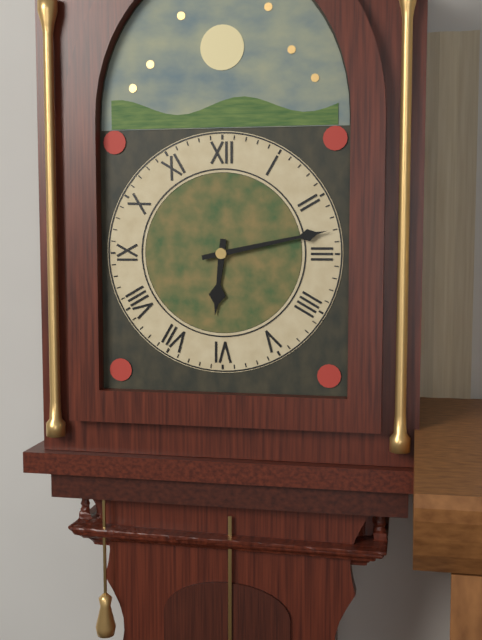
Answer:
6.13
